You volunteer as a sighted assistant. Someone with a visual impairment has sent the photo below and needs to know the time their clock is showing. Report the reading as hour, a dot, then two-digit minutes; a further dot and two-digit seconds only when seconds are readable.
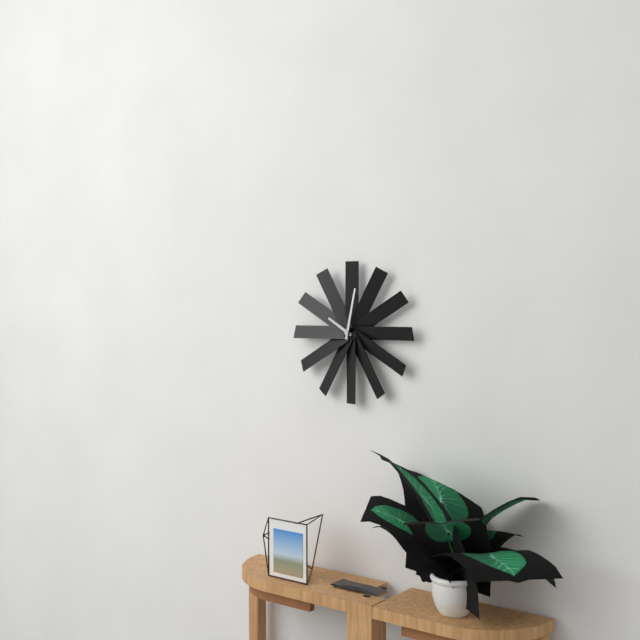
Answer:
10.02
